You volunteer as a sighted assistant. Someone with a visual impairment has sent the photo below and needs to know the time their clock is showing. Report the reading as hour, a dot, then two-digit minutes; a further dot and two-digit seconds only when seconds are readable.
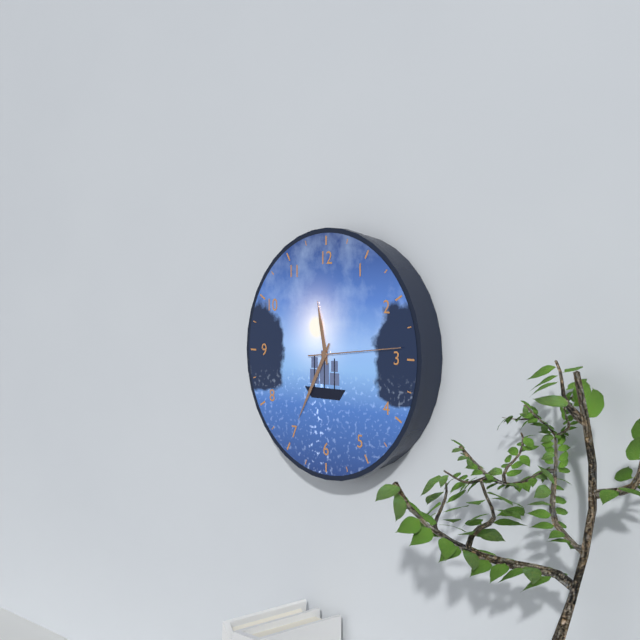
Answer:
11.35.14
